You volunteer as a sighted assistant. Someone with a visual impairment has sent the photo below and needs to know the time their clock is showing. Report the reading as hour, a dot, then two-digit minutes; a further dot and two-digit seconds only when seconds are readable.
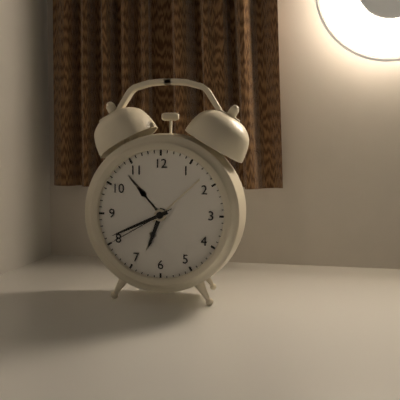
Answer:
6.41.40
